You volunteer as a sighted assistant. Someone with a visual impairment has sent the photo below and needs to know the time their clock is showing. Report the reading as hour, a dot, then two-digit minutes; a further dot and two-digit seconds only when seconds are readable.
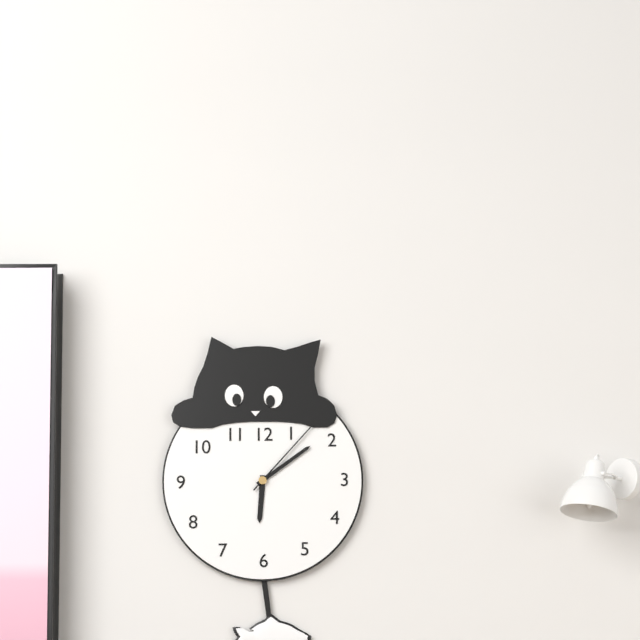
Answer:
6.09.07
